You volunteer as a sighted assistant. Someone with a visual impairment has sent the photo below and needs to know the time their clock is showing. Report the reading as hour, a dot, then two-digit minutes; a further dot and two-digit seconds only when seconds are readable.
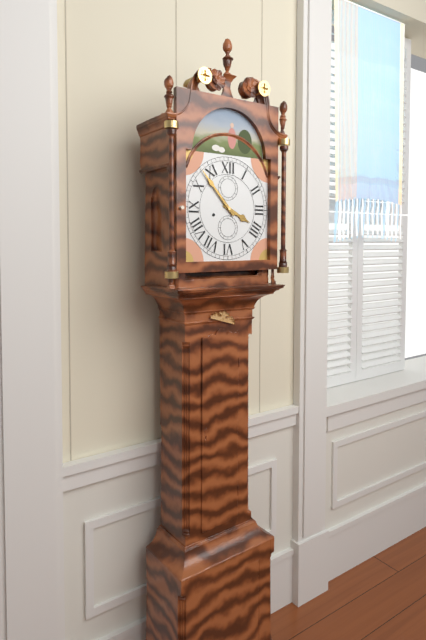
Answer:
3.53
